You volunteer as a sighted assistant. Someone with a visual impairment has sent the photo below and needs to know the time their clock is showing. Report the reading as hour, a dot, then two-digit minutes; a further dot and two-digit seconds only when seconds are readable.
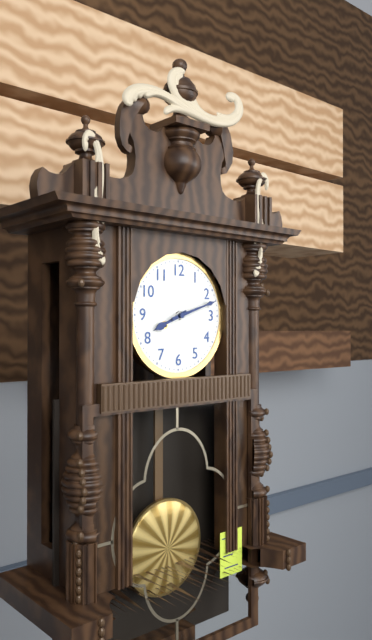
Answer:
8.12
